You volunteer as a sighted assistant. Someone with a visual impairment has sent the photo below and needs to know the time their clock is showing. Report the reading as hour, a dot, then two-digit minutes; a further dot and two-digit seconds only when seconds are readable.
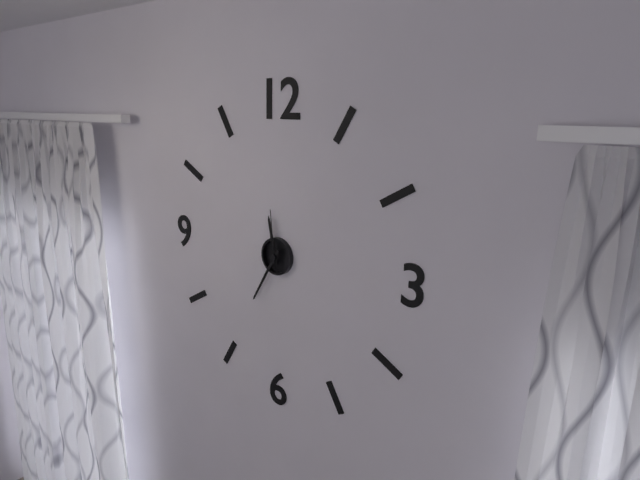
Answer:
11.35.59
